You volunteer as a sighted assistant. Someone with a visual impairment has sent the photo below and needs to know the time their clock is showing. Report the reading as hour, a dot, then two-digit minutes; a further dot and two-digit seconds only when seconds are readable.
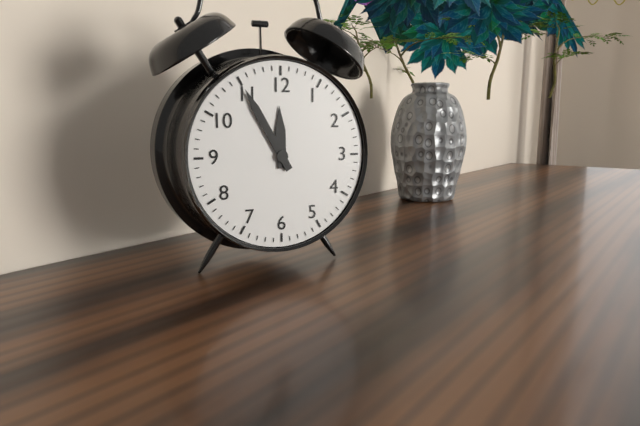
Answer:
11.55
